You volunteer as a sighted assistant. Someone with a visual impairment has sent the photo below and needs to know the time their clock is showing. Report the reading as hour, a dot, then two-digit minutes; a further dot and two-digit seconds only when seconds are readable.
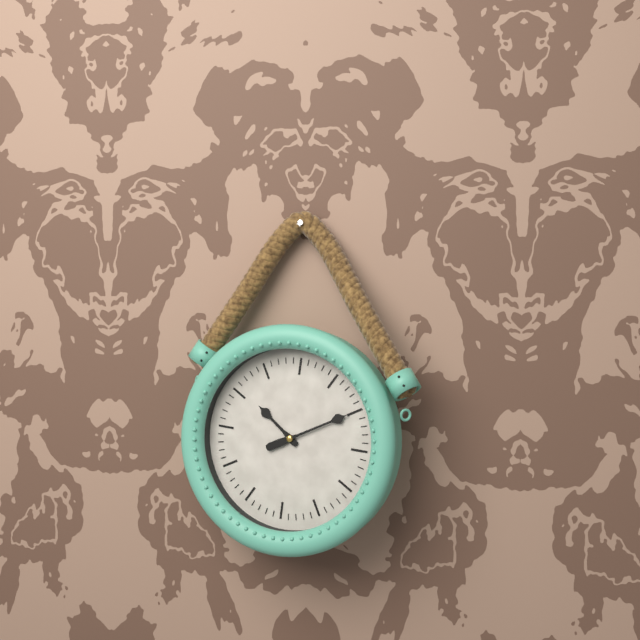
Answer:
10.10
